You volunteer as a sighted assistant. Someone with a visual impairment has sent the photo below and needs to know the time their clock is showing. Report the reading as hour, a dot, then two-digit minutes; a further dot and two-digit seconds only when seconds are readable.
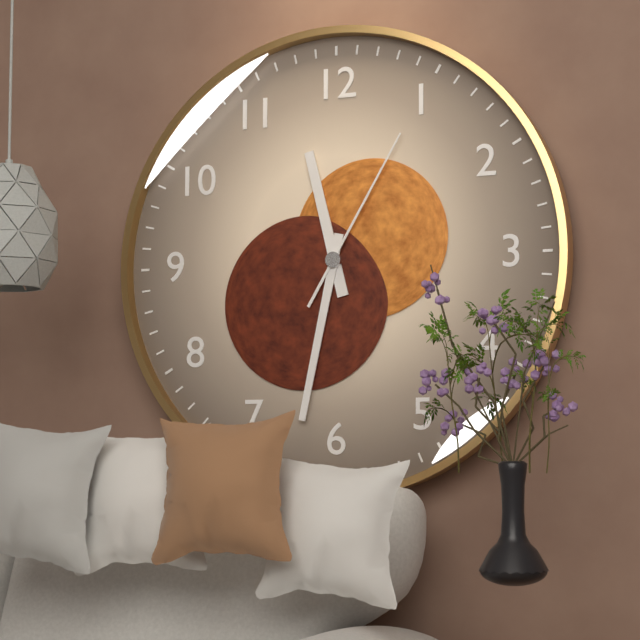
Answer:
11.32.05
